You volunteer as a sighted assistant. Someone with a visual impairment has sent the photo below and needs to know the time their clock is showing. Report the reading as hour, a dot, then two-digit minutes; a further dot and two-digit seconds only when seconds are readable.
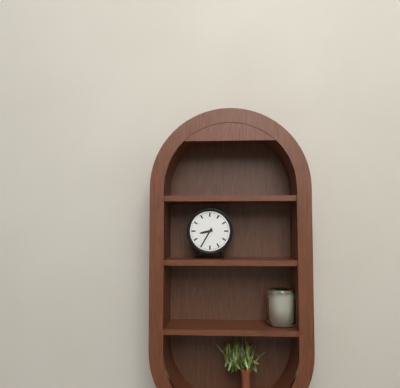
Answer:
8.35
